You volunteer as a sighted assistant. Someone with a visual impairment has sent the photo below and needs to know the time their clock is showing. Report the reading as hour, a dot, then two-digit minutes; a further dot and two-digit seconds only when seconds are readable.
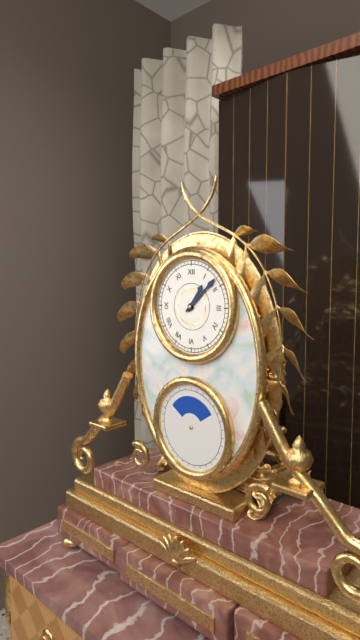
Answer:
1.08
